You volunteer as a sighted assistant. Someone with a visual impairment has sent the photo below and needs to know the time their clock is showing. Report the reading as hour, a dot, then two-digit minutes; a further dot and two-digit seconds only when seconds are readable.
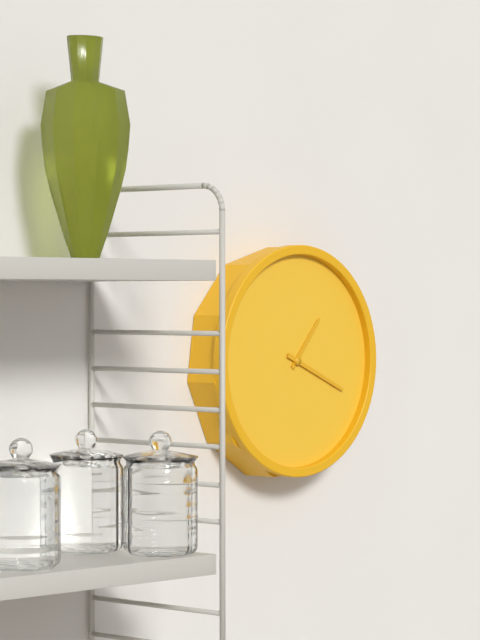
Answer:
1.19
